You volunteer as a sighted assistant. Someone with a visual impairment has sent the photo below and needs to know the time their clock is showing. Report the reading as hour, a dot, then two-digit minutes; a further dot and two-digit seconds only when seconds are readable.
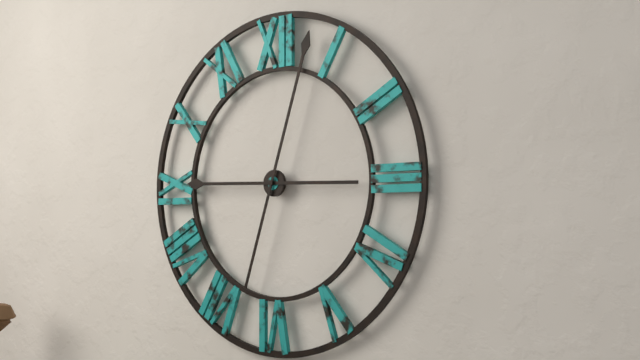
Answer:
9.03
